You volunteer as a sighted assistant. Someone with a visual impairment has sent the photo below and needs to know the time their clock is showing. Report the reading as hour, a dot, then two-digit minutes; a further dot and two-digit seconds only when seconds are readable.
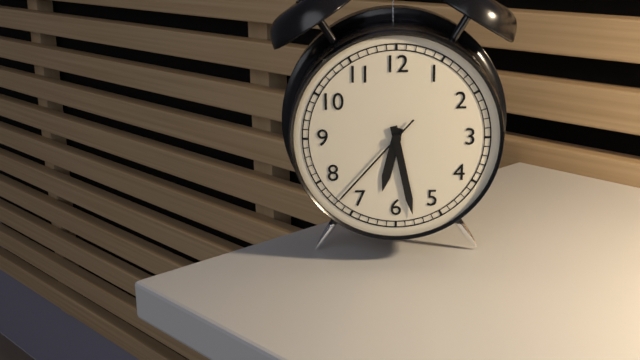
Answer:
6.28.37
